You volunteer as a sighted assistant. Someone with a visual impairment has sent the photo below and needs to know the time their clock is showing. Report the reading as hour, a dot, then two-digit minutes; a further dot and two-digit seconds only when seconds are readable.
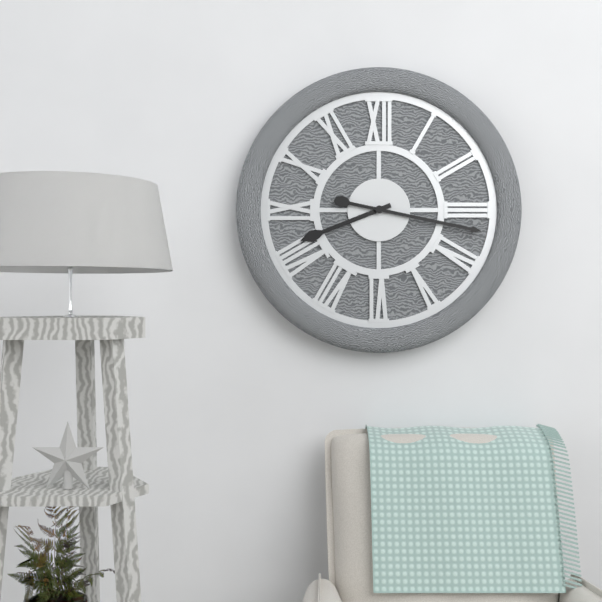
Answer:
8.17
